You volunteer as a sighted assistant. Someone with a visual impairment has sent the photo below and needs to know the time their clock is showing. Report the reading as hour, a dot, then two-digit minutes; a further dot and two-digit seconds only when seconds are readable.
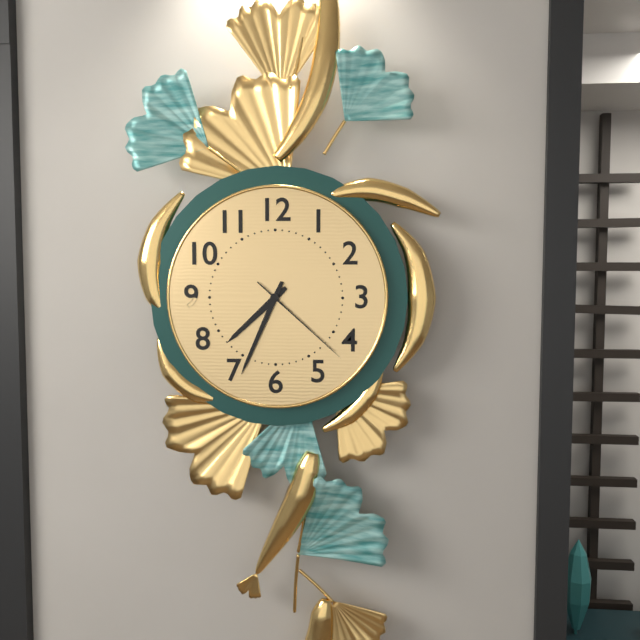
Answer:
7.34.22
